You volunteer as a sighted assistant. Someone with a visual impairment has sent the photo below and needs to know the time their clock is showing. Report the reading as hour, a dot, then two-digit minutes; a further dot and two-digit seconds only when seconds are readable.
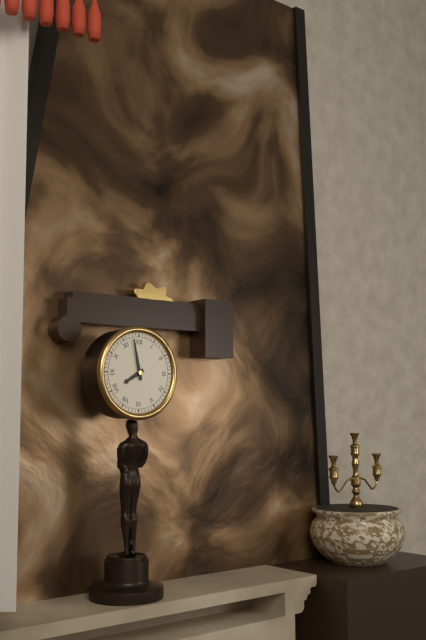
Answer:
7.58
